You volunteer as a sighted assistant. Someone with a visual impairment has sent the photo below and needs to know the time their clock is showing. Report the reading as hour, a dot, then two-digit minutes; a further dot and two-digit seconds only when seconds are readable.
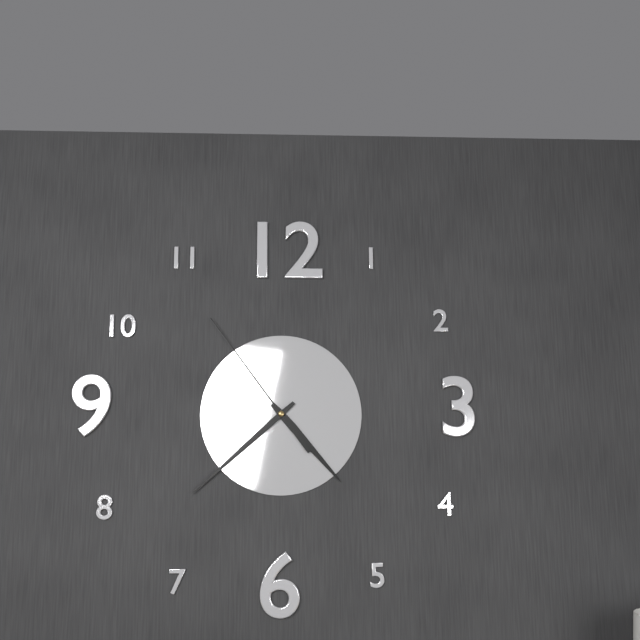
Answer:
4.38.54
